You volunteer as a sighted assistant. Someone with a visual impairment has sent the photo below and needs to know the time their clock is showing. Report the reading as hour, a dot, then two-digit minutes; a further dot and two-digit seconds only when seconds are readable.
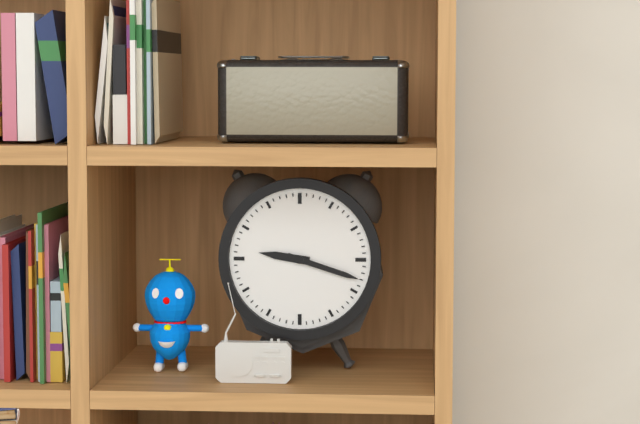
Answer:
9.18
